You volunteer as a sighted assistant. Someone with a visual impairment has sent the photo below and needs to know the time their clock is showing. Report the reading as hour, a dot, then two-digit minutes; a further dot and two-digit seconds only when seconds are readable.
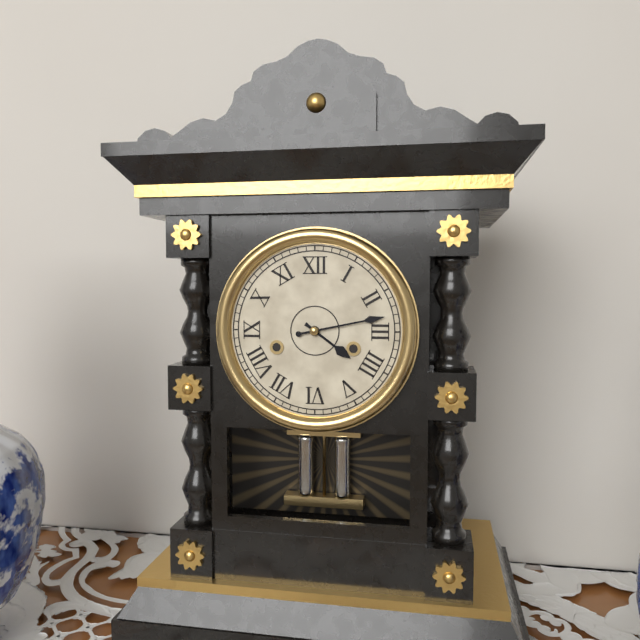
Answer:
4.13
